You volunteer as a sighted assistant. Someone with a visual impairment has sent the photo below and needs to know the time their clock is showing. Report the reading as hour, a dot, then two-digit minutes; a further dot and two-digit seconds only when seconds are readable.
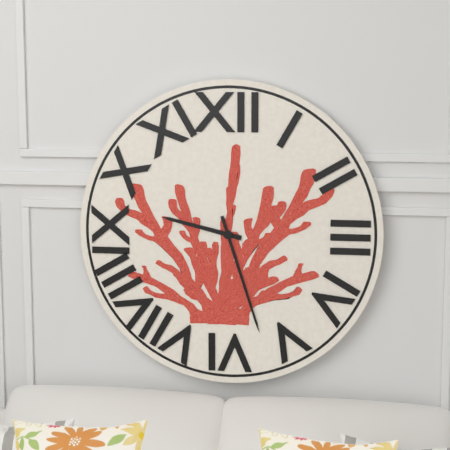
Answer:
9.27
